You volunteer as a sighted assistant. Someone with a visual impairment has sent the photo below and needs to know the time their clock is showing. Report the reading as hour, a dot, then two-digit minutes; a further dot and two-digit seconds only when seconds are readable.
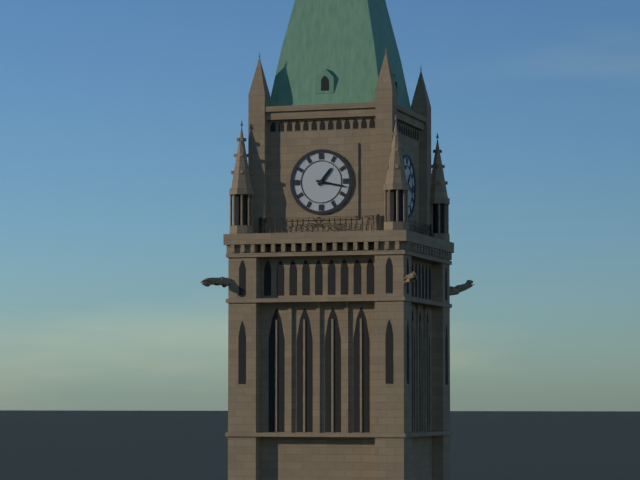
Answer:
1.17
